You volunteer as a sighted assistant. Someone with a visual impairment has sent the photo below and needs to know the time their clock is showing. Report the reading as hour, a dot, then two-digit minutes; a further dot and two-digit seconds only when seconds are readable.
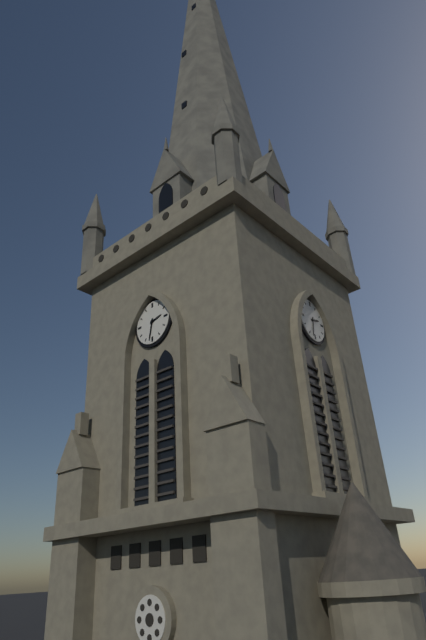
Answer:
2.32
